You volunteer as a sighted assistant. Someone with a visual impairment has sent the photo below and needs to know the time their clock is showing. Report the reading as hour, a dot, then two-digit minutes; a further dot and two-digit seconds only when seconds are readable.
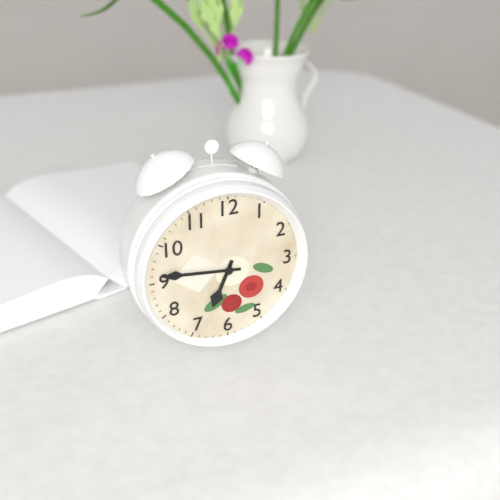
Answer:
6.46
